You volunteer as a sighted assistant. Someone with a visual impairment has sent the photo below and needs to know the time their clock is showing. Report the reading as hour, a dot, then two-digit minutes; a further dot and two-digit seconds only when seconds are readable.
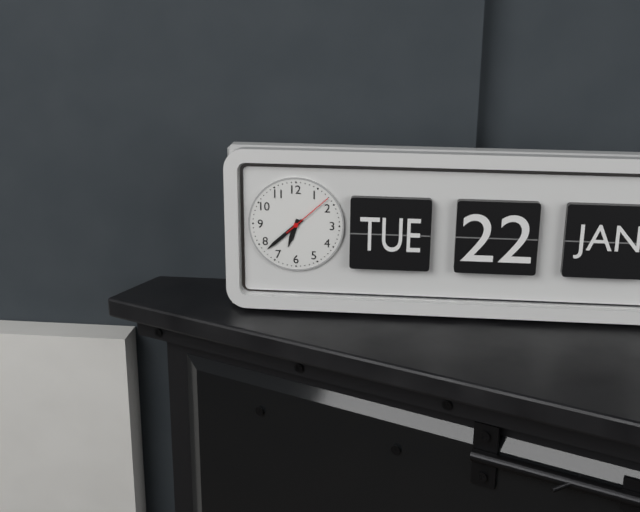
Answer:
6.38.08
